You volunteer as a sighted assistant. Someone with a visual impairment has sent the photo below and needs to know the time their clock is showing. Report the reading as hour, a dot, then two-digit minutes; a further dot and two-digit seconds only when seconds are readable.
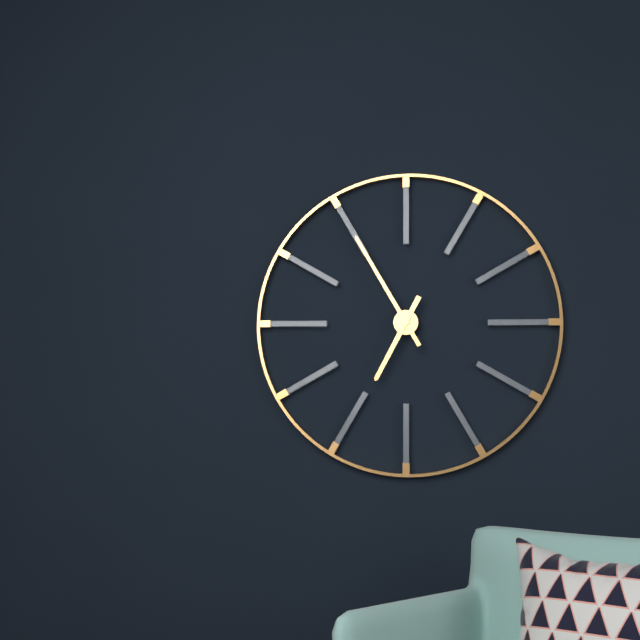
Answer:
6.55
